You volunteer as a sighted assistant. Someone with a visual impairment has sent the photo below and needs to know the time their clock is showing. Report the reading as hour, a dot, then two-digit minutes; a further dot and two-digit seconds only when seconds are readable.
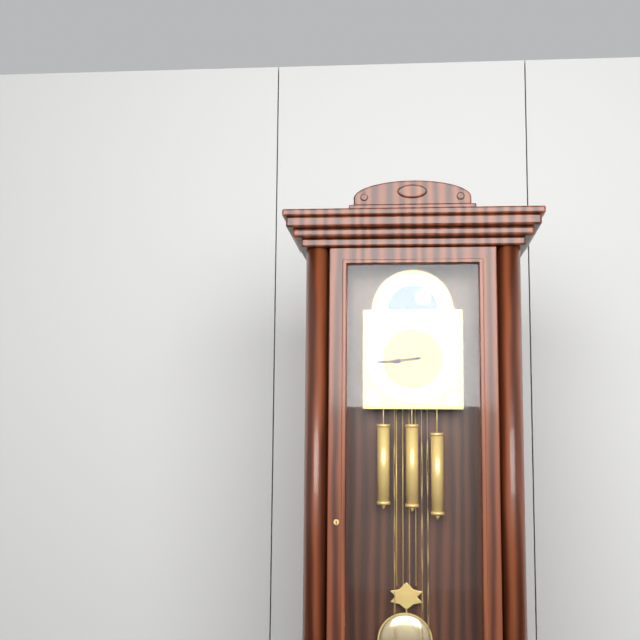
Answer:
8.44
